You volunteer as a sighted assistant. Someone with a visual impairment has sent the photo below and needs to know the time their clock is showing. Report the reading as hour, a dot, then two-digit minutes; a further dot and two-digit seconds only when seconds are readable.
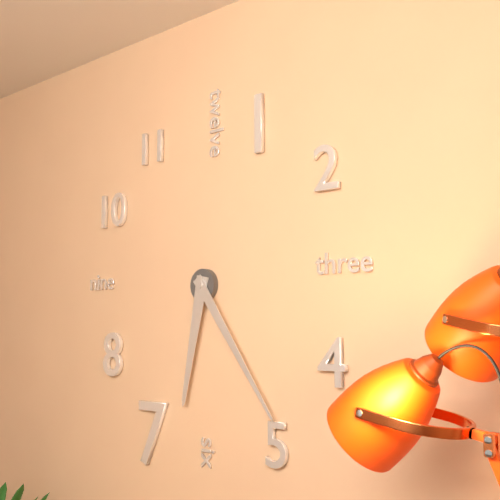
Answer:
6.24
